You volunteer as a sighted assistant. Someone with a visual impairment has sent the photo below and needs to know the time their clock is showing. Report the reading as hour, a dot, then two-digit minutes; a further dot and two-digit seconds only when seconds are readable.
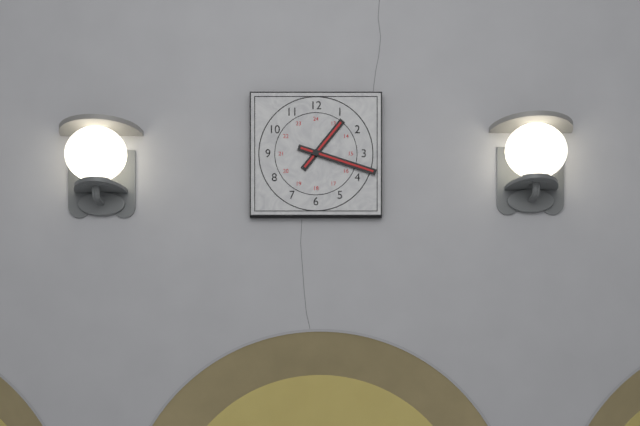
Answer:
1.18
